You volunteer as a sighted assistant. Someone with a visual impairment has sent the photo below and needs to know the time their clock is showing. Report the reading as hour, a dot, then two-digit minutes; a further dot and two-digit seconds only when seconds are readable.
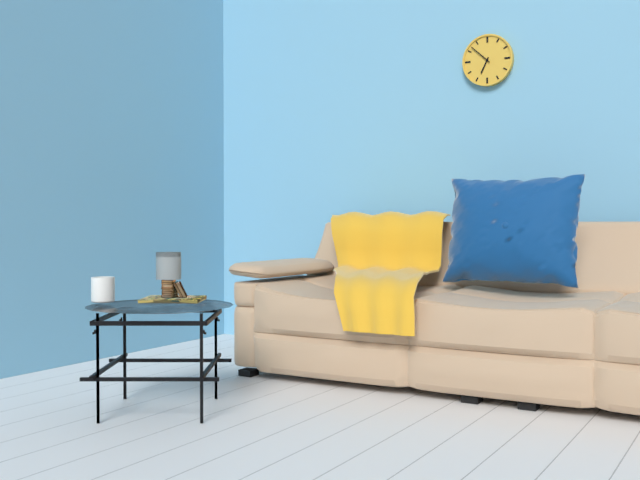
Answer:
6.52
